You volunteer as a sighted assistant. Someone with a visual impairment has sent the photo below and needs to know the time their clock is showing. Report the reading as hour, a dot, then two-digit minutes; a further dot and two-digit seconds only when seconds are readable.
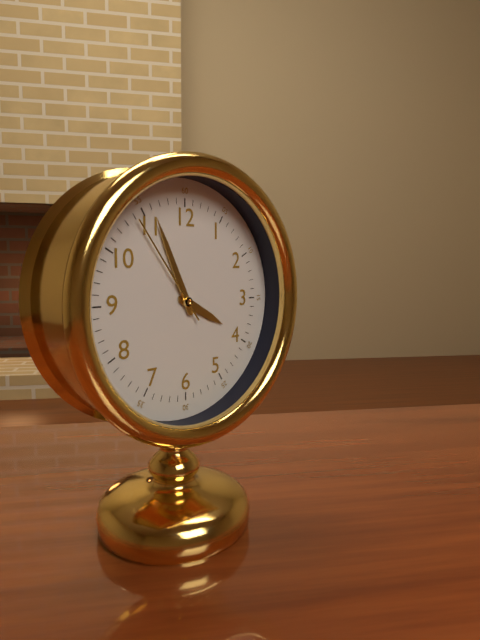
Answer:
3.56.54
